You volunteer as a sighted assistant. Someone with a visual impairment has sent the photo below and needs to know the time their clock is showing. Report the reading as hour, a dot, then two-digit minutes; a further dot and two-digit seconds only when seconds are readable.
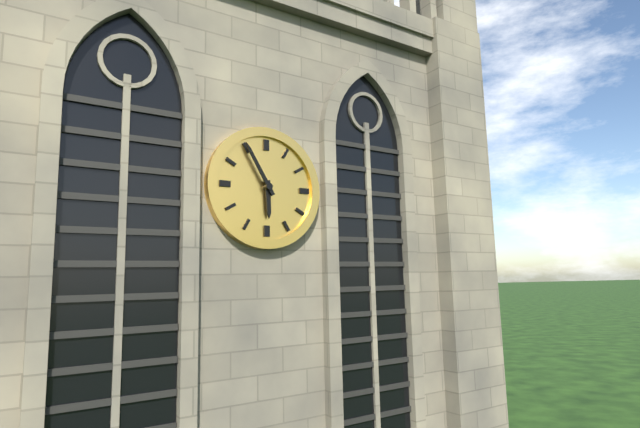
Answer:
5.55
